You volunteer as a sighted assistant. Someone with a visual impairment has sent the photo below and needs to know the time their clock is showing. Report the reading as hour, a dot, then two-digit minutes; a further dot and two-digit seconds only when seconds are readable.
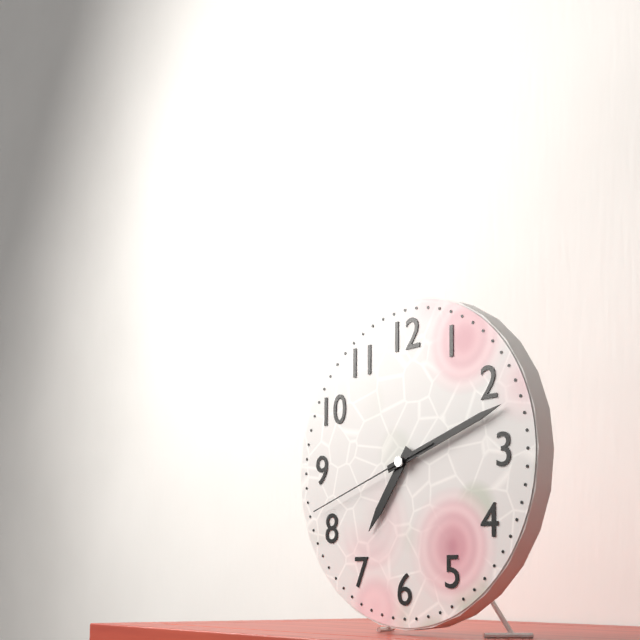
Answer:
7.12.42
